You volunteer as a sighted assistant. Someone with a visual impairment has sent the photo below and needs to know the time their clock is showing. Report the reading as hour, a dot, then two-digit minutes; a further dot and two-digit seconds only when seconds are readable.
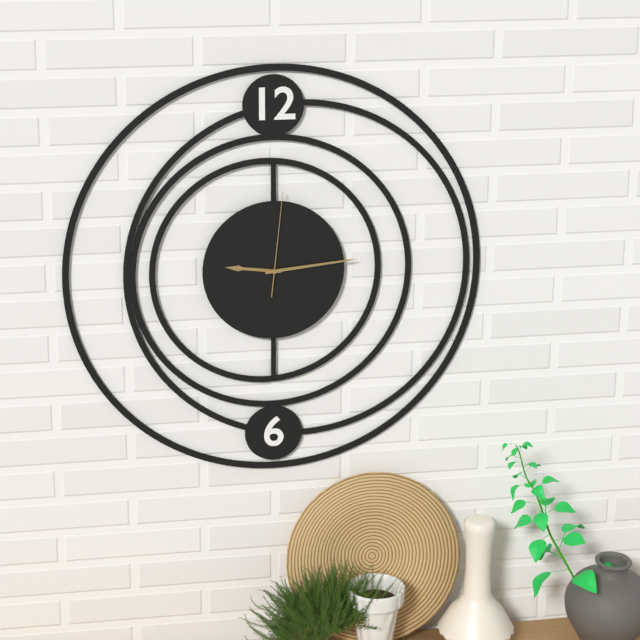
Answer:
9.14.01
